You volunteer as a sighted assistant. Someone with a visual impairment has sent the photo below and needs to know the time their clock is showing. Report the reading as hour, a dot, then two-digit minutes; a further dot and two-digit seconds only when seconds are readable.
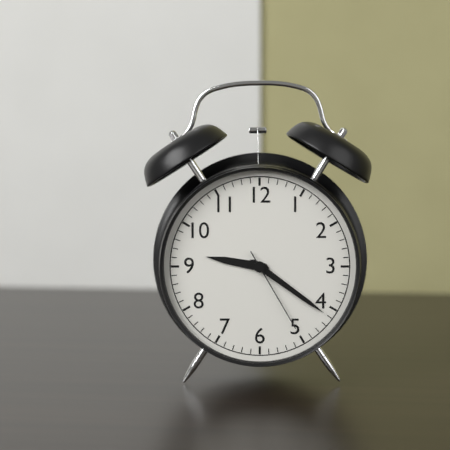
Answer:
9.21.25
